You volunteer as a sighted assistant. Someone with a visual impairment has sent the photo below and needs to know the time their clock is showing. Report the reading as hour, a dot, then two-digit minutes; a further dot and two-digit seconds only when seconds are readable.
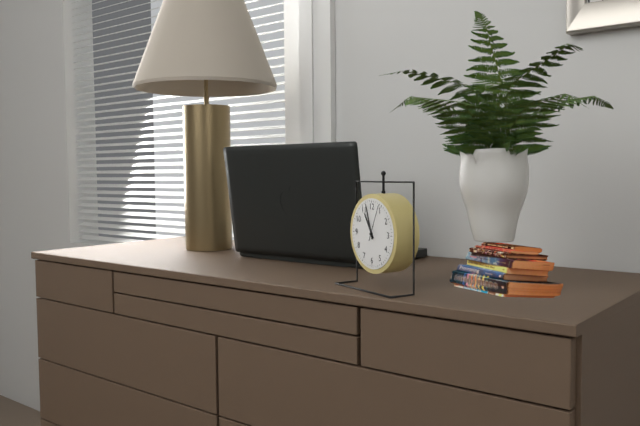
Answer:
10.57
